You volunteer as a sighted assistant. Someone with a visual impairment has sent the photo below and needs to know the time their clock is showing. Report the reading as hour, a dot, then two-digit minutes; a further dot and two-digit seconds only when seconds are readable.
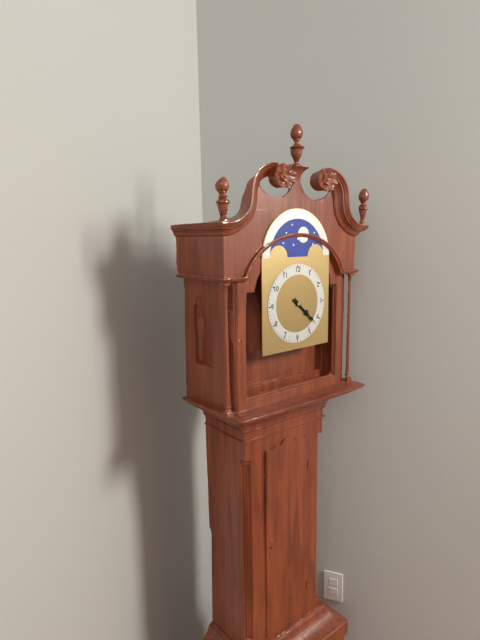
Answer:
4.22
